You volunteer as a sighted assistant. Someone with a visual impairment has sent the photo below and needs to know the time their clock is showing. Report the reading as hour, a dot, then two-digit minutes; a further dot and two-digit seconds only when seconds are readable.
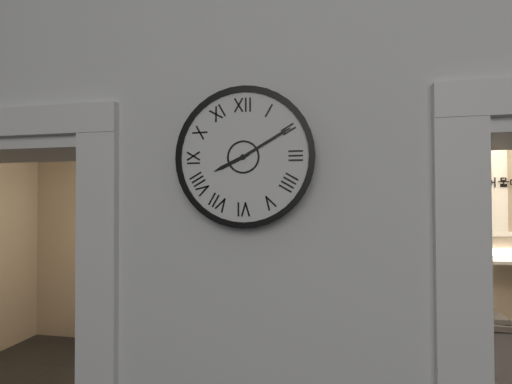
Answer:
8.10
